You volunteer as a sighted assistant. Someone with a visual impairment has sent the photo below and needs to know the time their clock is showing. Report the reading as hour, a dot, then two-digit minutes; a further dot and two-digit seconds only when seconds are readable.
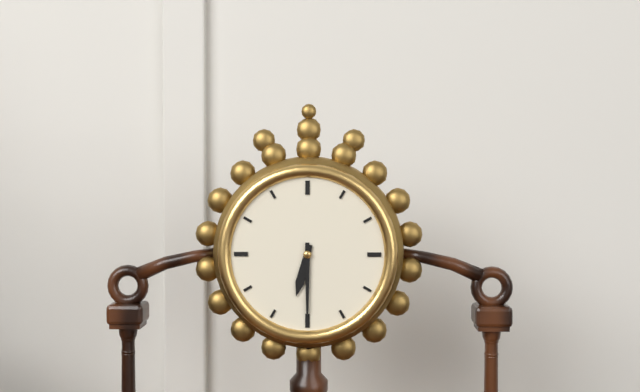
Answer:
6.30
